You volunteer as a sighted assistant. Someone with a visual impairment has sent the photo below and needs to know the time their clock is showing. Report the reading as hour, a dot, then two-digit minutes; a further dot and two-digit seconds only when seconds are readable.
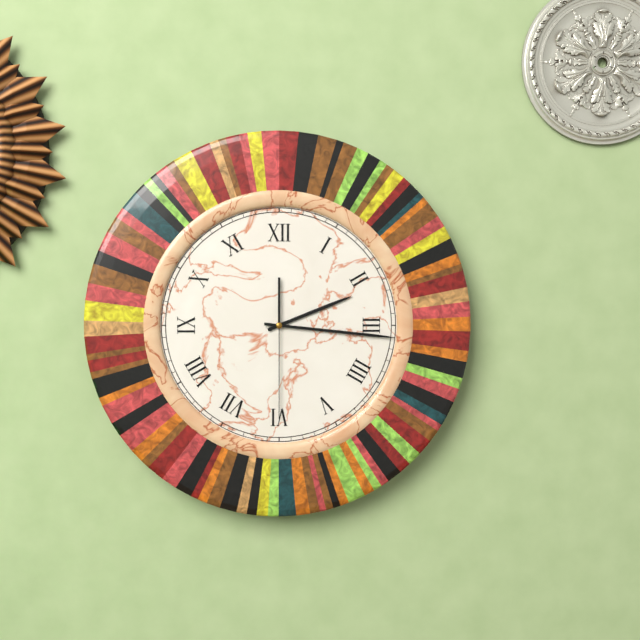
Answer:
2.16.30
